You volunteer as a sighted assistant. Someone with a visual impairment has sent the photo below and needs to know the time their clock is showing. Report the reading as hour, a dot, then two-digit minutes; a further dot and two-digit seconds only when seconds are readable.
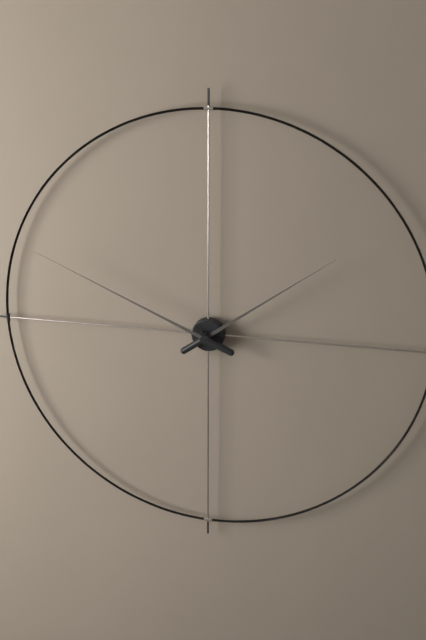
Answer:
1.49
